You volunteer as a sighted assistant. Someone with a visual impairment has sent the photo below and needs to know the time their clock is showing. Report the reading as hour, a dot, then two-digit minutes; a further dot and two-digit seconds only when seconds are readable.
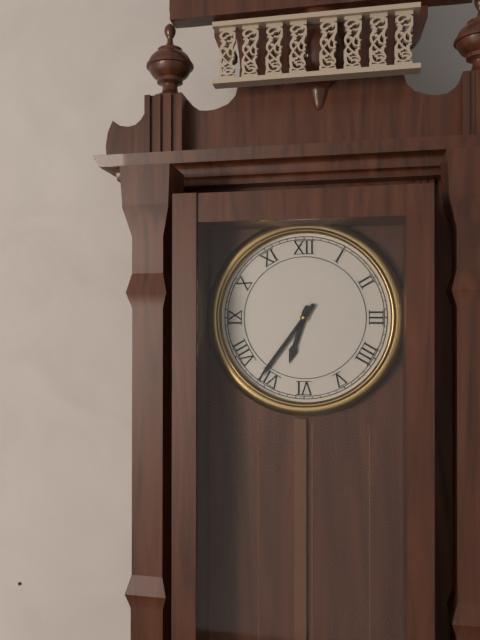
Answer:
6.36
